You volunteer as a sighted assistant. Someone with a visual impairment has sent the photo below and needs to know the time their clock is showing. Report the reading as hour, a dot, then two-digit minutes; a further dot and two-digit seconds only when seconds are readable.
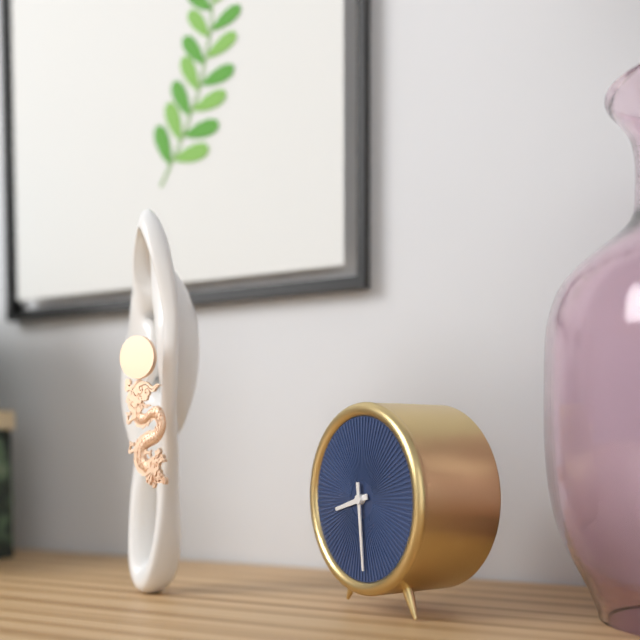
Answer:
8.29
